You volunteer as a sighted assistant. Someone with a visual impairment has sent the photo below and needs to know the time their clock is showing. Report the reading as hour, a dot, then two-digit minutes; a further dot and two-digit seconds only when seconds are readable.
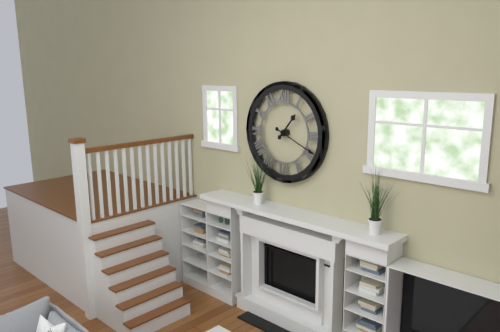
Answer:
1.19
